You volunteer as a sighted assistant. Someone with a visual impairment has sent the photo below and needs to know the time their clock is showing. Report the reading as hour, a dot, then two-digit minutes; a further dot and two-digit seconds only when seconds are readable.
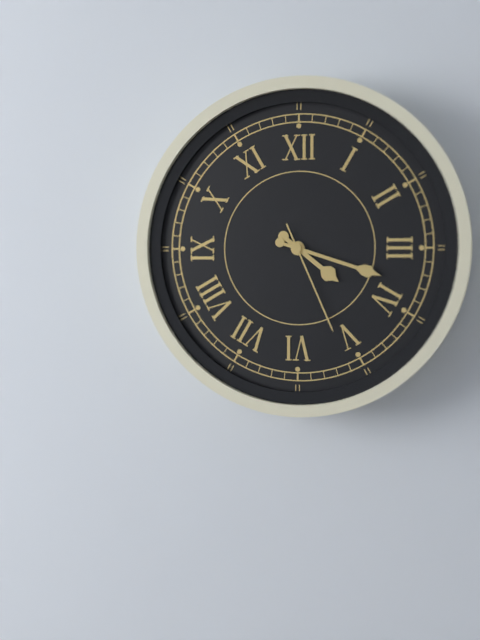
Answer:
4.18.26
